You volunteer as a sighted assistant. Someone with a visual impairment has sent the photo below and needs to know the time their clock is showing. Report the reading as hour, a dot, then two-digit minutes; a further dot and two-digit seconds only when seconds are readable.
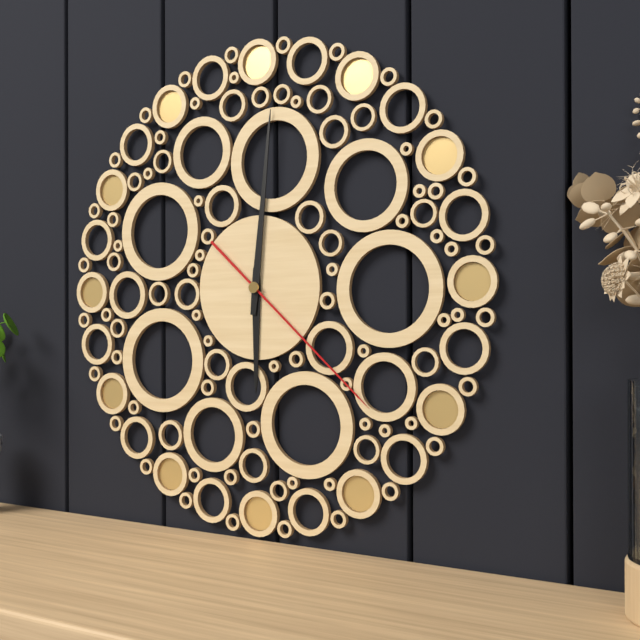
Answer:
6.01.22
